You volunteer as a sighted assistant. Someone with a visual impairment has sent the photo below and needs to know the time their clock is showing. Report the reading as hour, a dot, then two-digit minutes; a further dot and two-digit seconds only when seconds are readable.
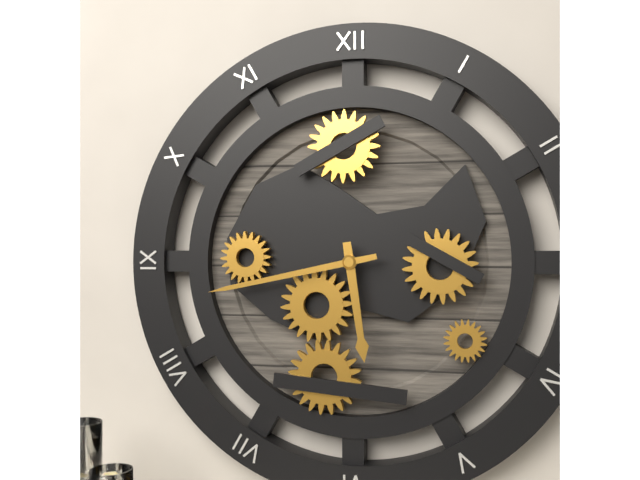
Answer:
5.43
